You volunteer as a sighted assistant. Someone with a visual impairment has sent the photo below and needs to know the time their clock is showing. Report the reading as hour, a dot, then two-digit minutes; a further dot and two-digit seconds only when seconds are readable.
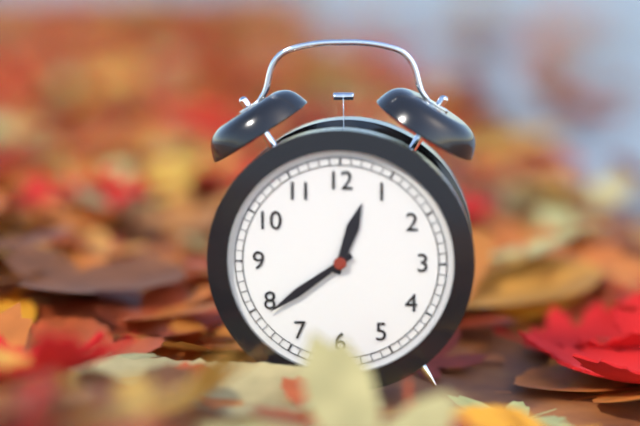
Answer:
12.39
